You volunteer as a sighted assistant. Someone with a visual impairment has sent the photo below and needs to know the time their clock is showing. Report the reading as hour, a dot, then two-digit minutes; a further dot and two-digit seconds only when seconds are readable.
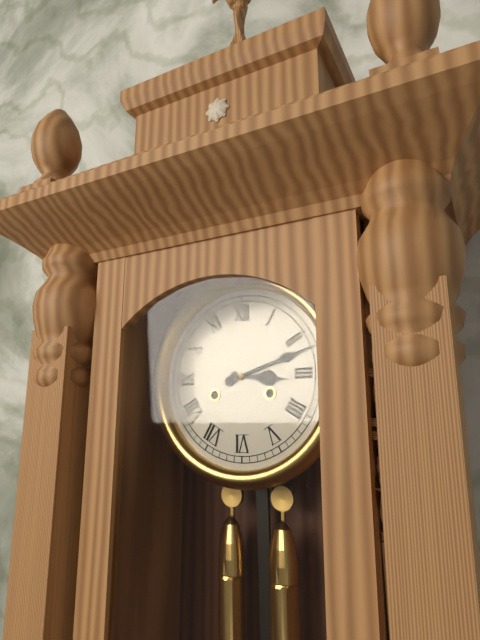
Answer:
3.12
